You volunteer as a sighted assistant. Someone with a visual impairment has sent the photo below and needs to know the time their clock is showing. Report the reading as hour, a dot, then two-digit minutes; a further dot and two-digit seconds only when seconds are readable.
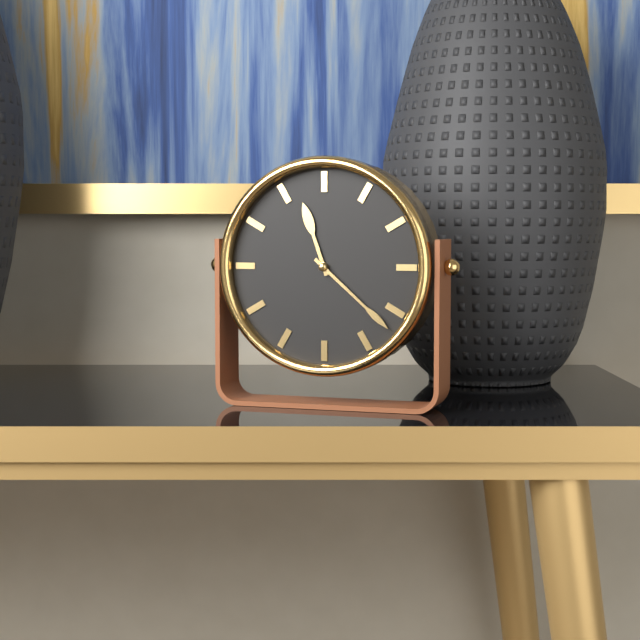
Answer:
11.22
